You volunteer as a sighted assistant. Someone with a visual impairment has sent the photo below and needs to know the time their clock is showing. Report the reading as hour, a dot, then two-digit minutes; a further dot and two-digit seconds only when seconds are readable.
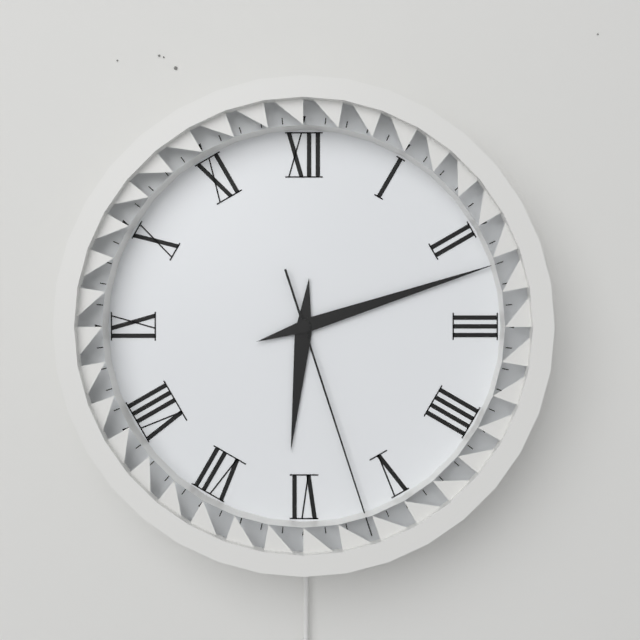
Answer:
6.12.27
